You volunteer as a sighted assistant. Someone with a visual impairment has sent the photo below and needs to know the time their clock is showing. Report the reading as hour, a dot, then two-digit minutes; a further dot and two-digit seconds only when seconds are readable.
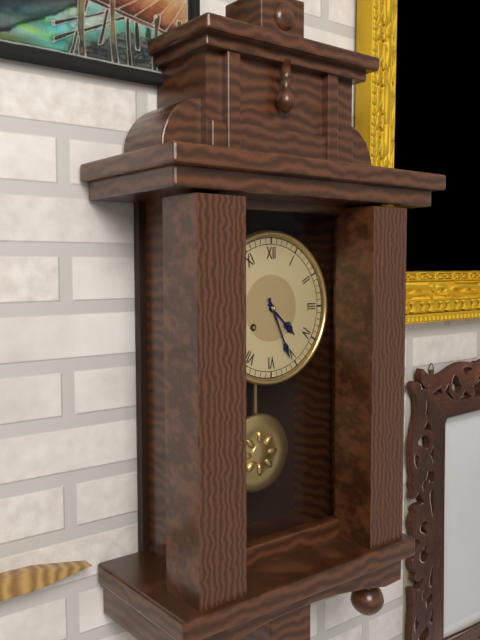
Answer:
4.26
